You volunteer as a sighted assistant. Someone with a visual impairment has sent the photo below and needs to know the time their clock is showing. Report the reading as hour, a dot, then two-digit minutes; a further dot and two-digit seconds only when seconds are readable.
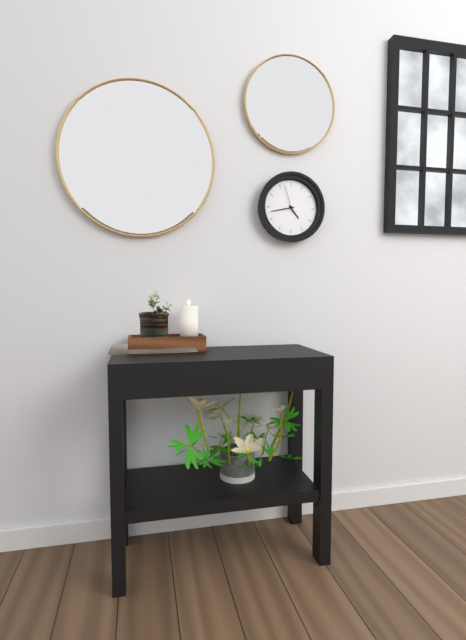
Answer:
4.43
